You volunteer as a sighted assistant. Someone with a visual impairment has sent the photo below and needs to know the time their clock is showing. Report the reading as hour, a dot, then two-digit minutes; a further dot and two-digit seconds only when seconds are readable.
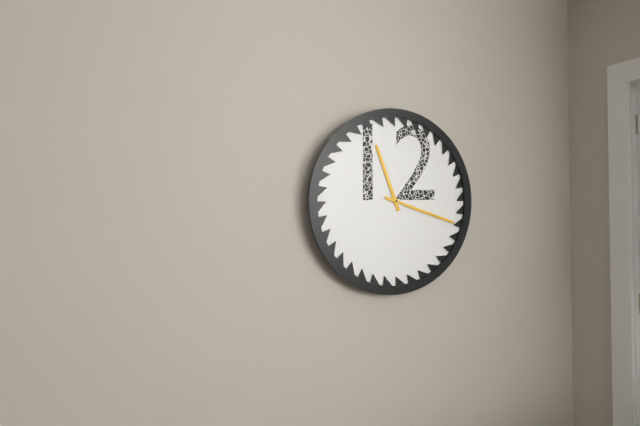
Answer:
11.18
